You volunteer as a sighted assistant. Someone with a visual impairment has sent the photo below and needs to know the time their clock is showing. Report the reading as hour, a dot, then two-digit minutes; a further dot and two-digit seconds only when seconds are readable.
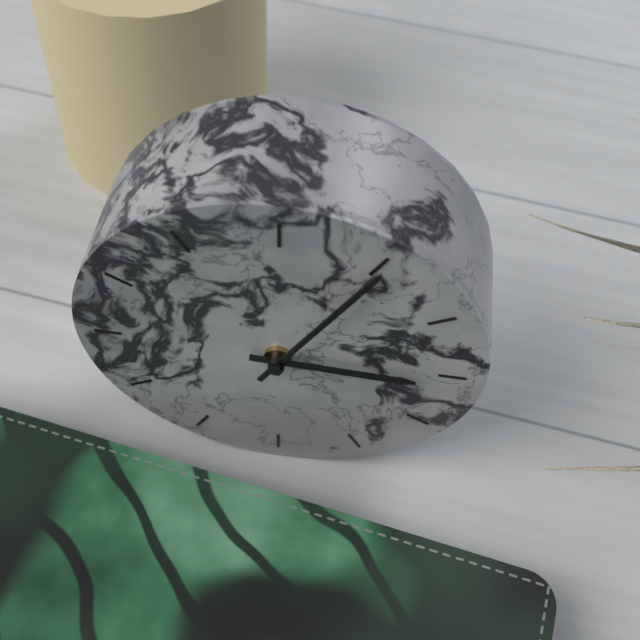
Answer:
3.05
